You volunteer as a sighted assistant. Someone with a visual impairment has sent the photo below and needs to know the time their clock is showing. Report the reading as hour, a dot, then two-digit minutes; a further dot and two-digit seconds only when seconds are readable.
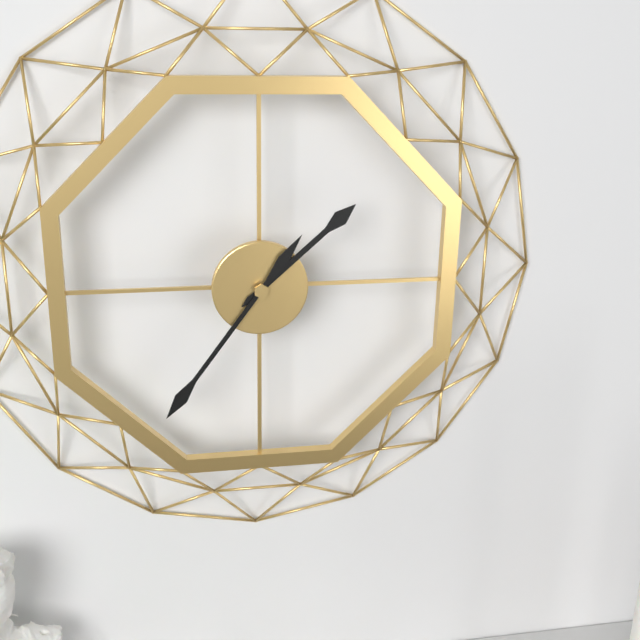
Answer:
1.36
